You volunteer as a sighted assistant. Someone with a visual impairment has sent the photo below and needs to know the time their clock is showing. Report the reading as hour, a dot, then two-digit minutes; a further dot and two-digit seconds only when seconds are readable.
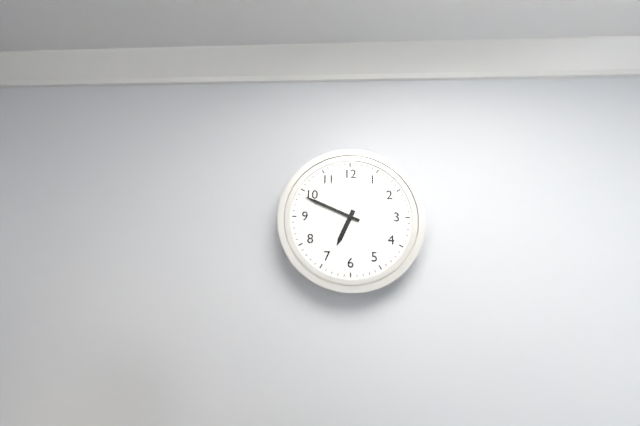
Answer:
6.49
